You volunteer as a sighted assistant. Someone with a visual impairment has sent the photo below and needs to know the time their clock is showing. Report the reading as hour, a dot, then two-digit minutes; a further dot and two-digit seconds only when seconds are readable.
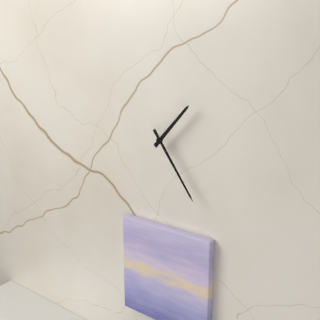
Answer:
1.24
